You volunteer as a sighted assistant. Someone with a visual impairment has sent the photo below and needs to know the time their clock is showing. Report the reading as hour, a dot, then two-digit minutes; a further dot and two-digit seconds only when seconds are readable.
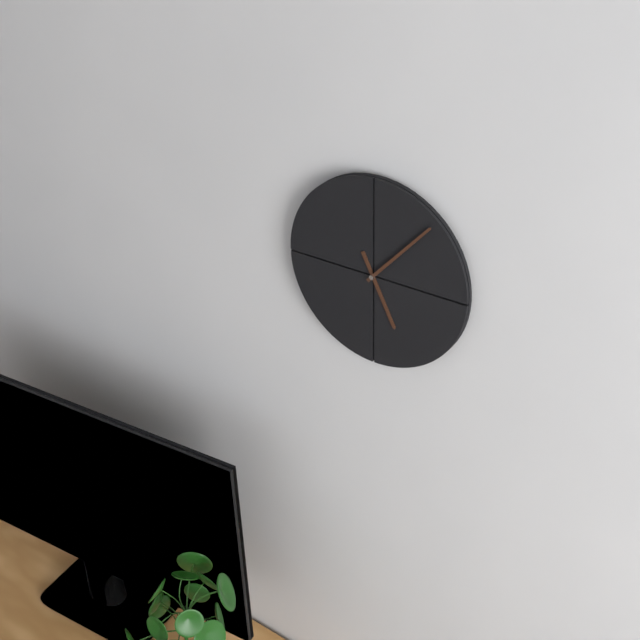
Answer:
5.07
